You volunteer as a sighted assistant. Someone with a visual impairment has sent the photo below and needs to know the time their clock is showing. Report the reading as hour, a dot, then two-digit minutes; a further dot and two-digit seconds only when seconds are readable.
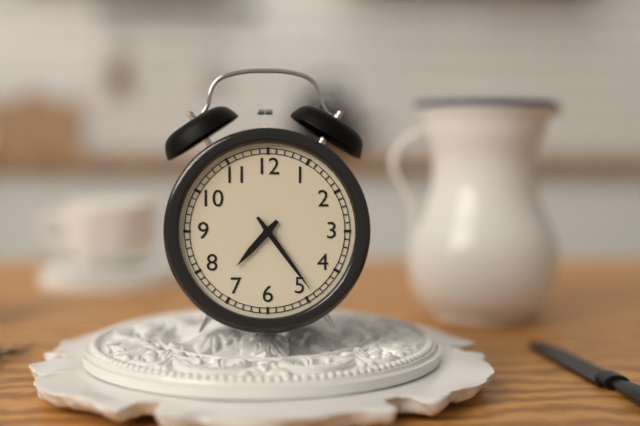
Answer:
7.24
